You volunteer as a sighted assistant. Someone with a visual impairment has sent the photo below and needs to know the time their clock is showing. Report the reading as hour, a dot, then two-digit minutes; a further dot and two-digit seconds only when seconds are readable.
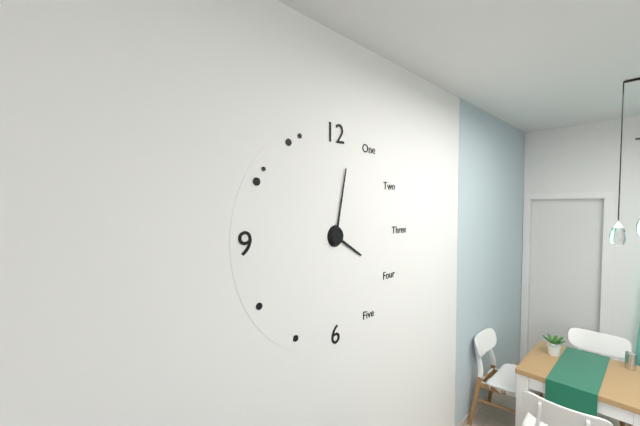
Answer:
4.02
